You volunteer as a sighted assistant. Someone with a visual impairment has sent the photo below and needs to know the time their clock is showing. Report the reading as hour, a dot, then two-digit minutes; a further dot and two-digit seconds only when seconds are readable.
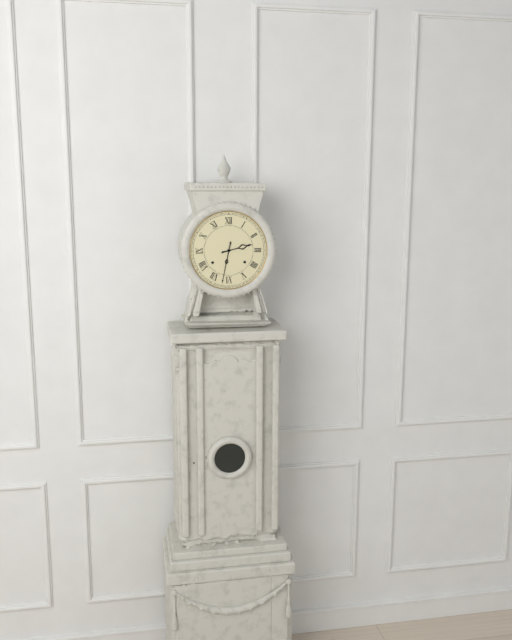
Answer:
2.32
